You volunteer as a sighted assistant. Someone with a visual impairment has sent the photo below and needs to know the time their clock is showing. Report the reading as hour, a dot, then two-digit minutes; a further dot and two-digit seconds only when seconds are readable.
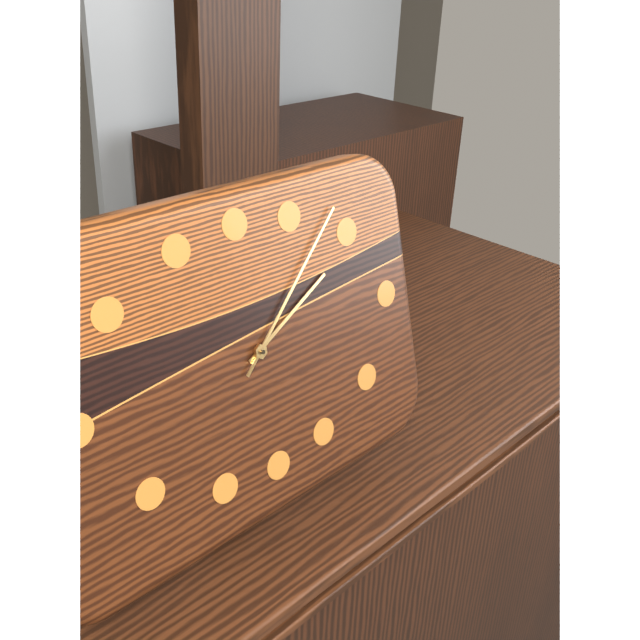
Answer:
2.08
